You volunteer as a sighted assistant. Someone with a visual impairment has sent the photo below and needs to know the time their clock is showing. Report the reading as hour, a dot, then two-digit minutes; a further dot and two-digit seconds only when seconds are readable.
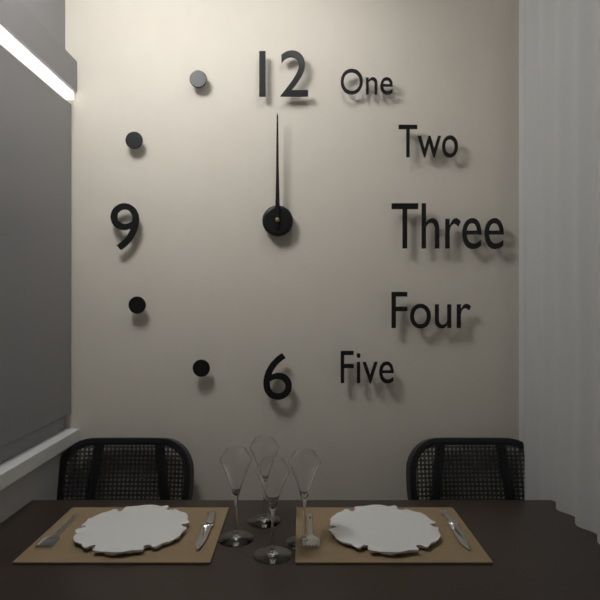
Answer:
12.00
